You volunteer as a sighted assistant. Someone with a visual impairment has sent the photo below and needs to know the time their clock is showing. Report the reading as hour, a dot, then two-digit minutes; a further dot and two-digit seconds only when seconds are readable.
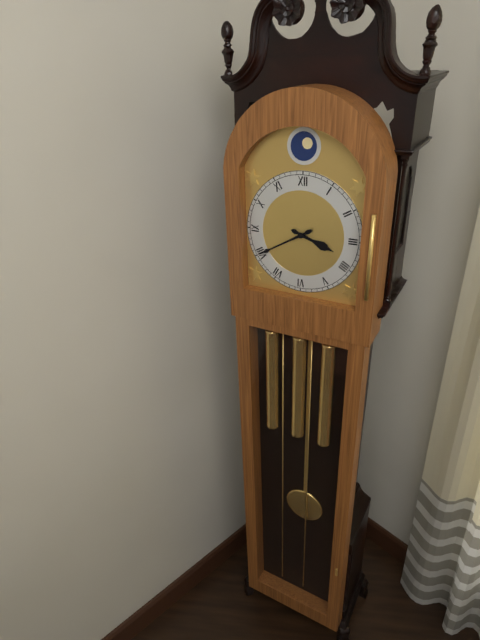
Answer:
3.40
